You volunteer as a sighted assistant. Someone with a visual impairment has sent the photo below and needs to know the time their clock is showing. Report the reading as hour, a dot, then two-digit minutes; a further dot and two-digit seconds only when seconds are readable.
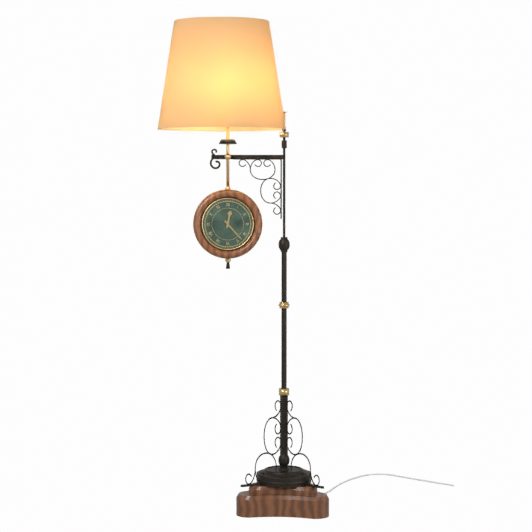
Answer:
12.23
